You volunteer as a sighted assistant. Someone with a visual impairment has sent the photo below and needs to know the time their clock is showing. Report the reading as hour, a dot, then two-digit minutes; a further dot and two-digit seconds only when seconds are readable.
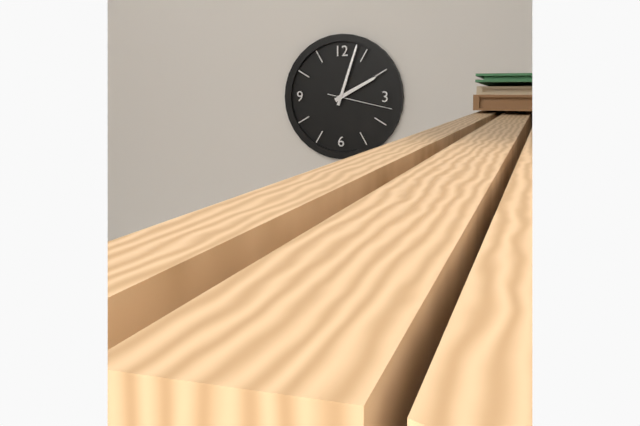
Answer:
2.03.17
